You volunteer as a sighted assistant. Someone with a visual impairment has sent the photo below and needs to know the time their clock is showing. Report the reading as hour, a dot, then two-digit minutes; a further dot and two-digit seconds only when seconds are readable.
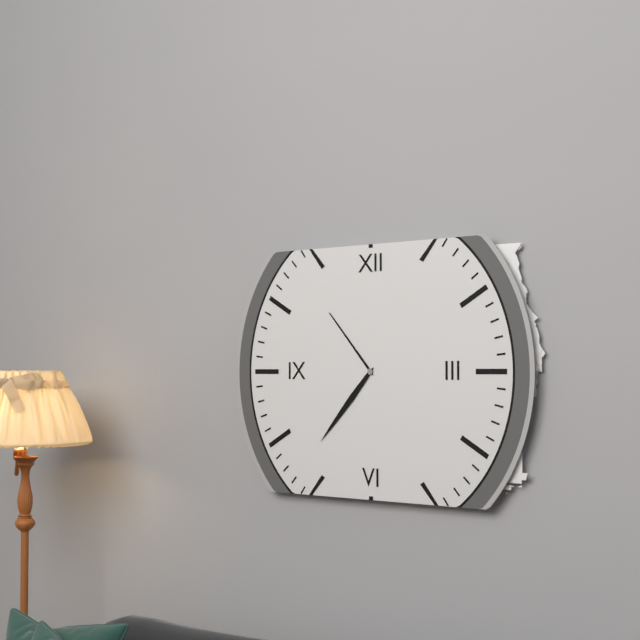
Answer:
10.37
